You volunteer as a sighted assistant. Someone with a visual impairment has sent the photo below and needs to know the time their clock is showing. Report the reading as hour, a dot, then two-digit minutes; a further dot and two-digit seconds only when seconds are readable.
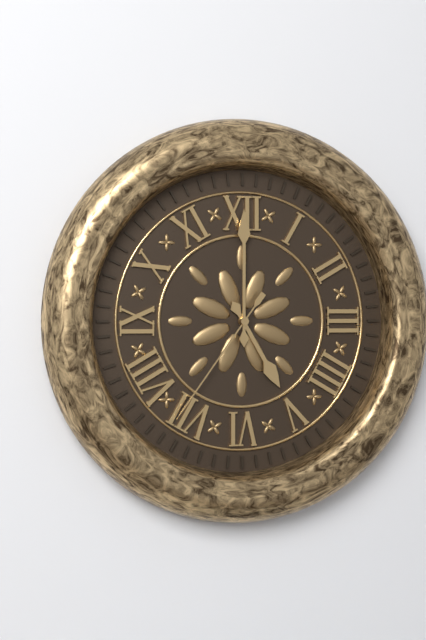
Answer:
5.00.36
